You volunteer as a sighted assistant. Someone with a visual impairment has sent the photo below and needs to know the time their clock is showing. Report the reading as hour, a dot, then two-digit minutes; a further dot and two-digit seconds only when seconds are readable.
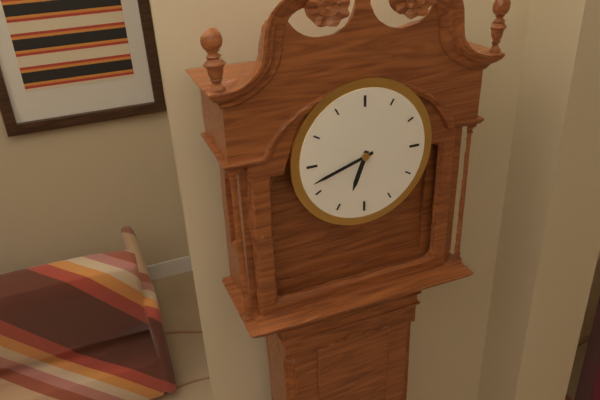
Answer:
6.42
